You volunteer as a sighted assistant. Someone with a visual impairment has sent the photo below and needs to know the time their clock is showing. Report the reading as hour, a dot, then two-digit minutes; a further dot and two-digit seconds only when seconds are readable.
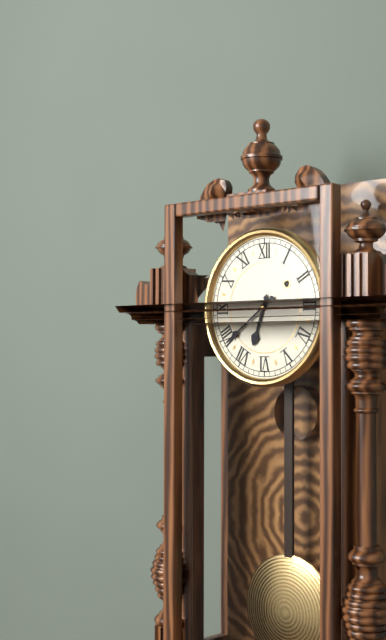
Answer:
6.39
